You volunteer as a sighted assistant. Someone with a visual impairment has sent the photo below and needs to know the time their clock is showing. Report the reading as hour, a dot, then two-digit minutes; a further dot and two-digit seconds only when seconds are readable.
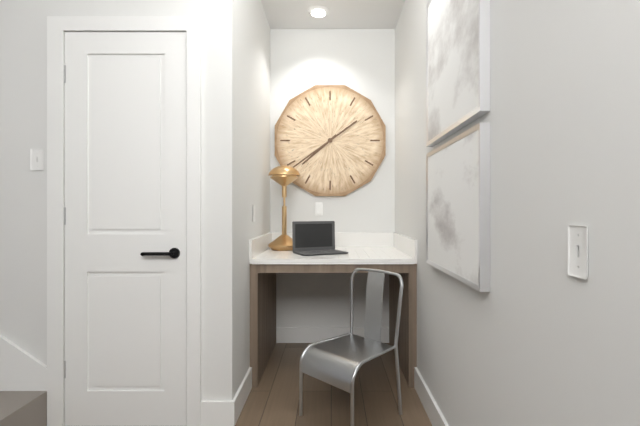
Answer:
7.39
